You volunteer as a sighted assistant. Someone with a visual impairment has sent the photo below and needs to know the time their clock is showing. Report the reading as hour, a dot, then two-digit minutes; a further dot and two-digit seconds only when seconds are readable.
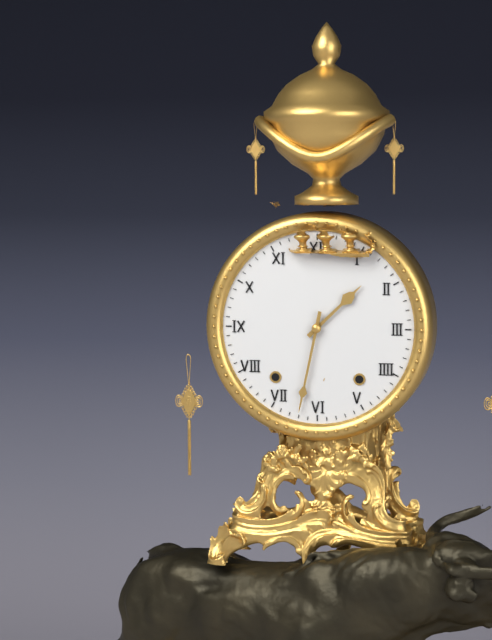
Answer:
1.32
